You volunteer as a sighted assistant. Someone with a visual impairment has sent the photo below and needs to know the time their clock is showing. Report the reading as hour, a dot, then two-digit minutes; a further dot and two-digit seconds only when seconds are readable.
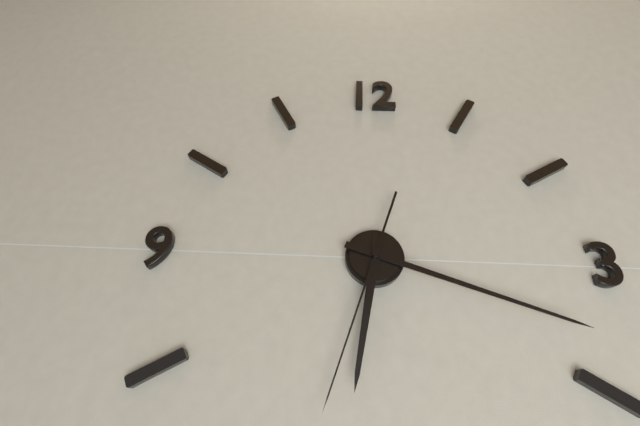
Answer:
6.18.33
